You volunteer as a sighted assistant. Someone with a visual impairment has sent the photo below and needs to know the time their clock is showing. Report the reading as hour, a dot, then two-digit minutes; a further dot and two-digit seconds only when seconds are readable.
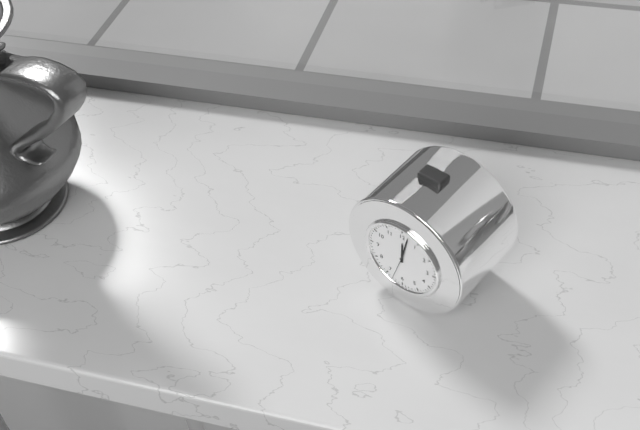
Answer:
12.02
